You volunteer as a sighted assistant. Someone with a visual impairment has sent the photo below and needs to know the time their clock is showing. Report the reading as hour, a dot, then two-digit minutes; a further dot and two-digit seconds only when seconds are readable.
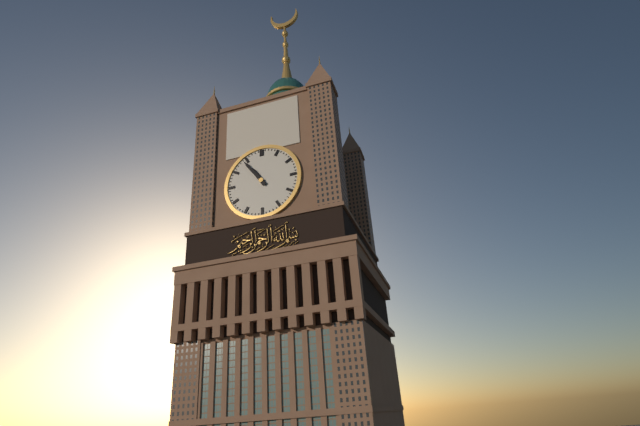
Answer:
10.54
